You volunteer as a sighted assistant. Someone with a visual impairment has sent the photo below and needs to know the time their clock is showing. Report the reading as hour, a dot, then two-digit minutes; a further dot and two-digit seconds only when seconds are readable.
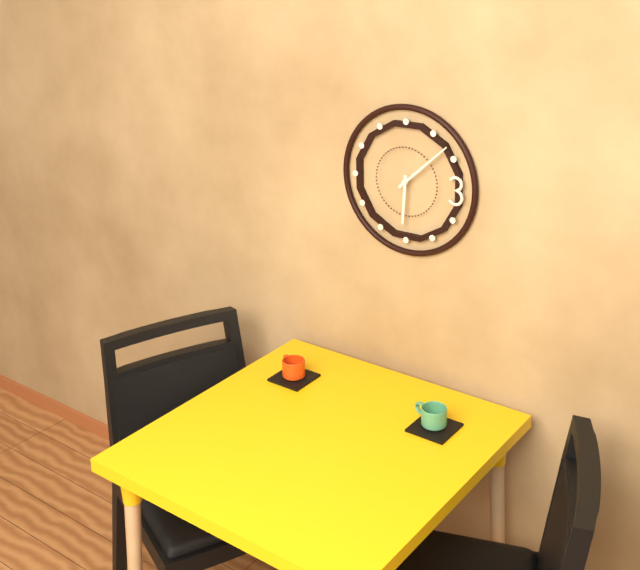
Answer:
6.08
